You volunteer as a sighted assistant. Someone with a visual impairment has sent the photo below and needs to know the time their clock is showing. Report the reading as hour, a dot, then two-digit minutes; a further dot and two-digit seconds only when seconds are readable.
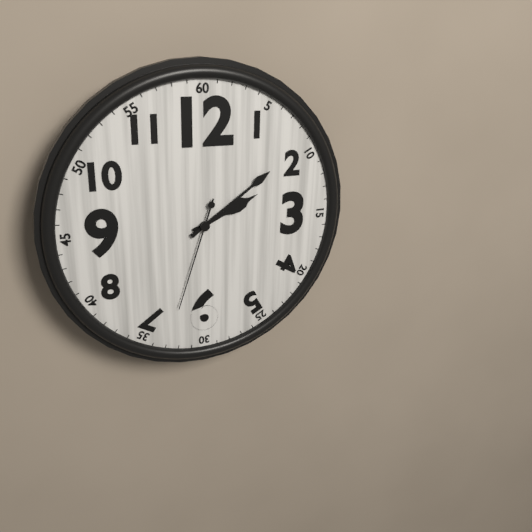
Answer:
2.09.33
